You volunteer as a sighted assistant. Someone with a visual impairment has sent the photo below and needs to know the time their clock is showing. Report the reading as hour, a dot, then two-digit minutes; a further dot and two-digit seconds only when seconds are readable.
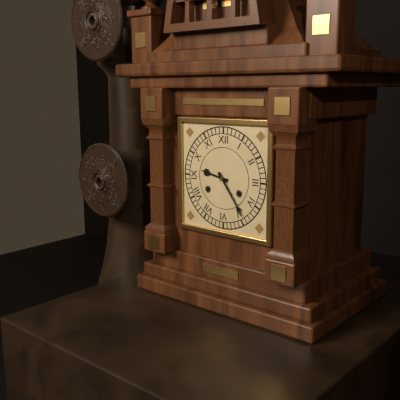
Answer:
9.24
